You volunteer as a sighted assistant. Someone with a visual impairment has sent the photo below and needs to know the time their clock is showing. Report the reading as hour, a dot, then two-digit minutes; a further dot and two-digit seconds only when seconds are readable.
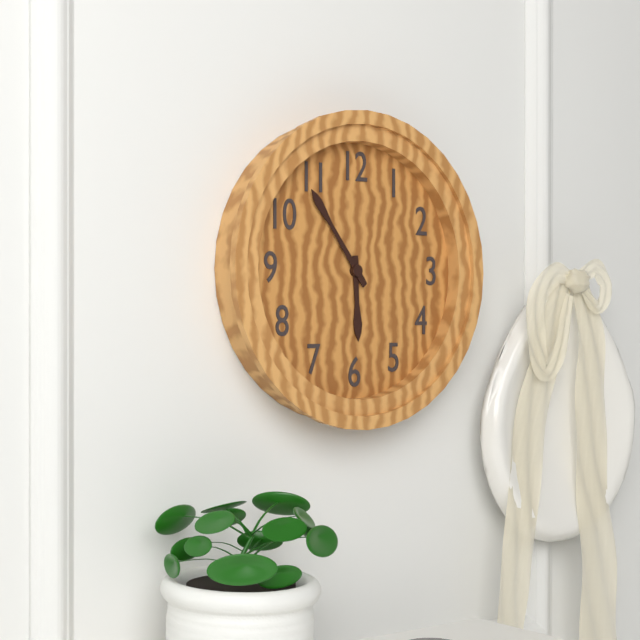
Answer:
5.54
